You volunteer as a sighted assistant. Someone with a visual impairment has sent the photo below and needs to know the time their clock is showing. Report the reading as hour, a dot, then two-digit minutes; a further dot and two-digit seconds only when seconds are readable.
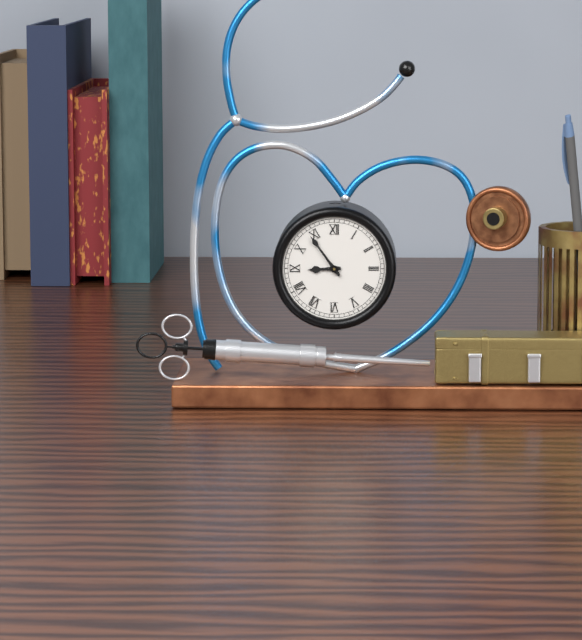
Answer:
8.54
